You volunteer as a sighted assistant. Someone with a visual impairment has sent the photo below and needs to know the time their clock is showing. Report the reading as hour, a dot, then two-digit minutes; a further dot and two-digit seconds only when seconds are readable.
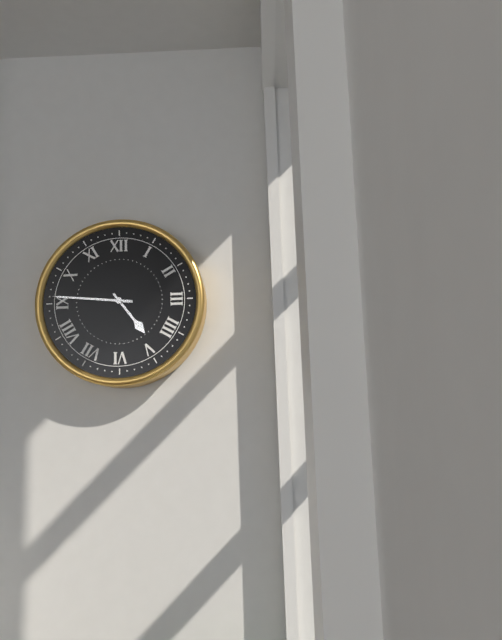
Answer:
4.46
